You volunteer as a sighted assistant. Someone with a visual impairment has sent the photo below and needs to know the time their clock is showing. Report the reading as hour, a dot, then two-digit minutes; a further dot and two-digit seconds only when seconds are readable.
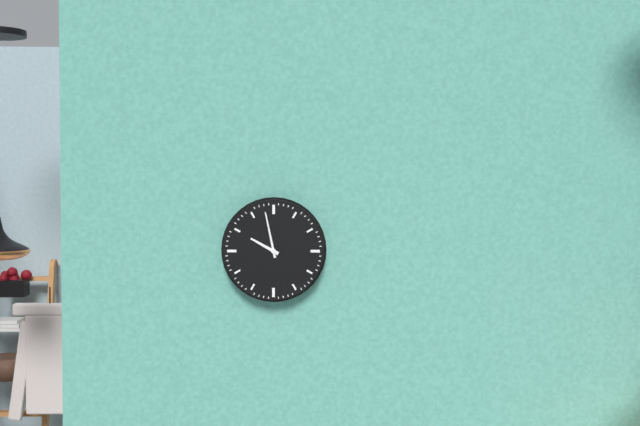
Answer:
9.58
